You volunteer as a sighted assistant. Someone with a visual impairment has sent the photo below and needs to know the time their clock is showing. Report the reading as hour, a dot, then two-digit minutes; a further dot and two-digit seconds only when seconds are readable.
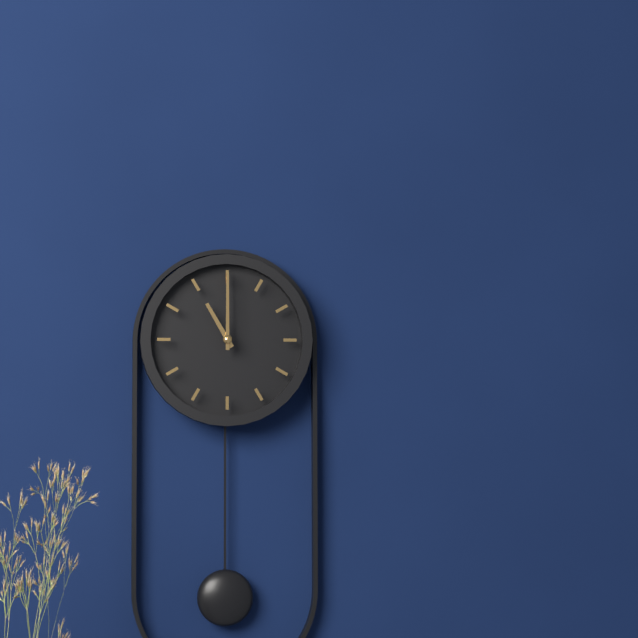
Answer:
11.00
